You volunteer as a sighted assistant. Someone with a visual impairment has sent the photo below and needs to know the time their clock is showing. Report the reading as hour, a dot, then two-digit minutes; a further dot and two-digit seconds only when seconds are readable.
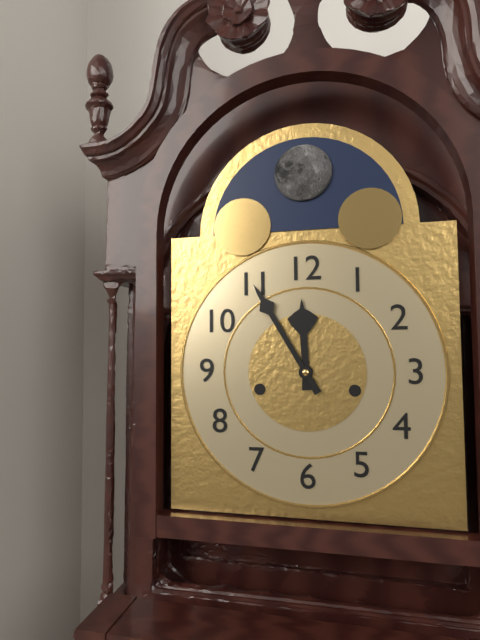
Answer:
11.55
